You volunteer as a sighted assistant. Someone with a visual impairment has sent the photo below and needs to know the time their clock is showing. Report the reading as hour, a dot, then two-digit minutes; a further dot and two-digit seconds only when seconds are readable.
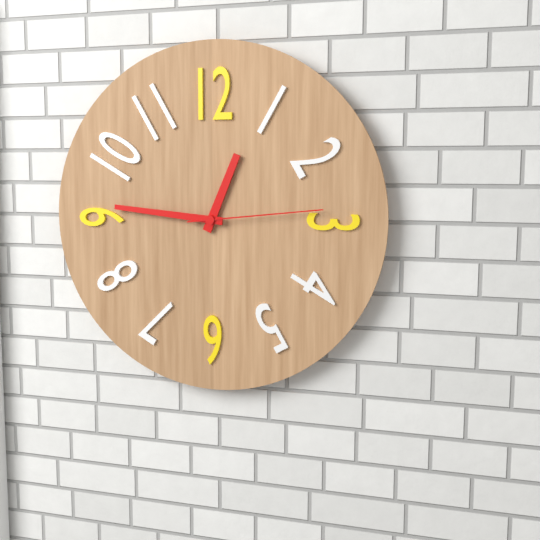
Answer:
12.46.14
